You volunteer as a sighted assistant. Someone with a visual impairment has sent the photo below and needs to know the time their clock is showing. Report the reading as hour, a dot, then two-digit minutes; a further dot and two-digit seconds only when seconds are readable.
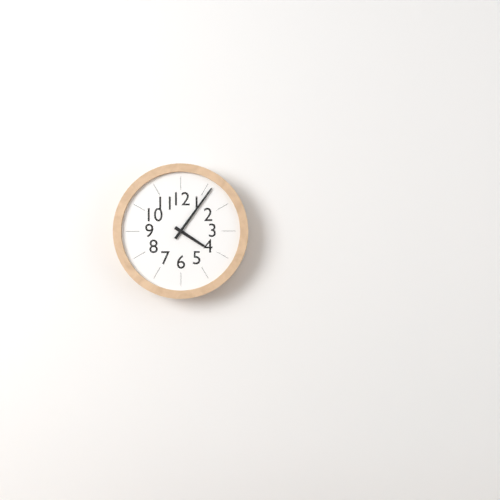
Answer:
4.06
